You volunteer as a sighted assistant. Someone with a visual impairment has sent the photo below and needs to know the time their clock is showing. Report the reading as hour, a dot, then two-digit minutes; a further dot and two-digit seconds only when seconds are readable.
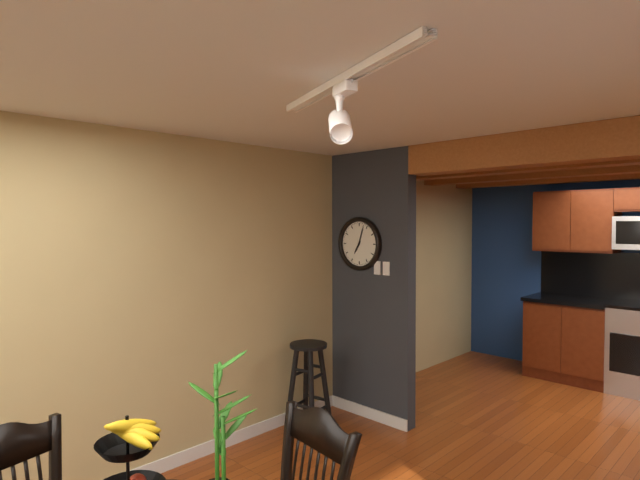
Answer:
7.03
